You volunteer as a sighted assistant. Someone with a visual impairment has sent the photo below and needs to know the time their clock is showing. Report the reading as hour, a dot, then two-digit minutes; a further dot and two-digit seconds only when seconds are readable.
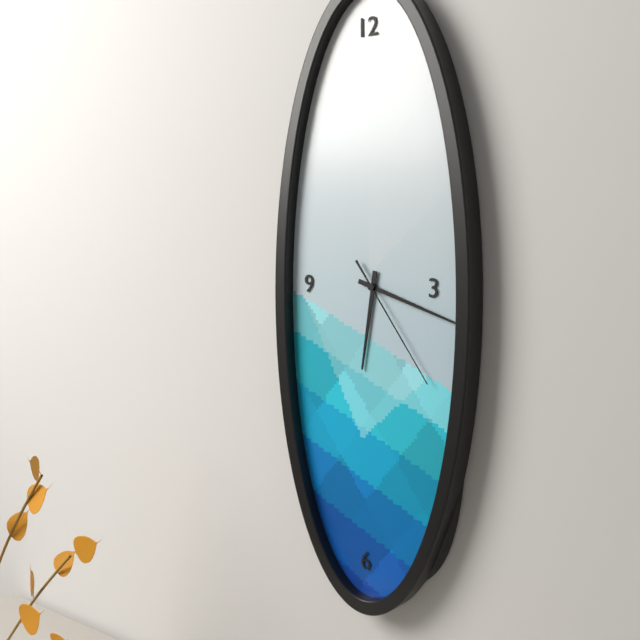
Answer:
6.18.24
